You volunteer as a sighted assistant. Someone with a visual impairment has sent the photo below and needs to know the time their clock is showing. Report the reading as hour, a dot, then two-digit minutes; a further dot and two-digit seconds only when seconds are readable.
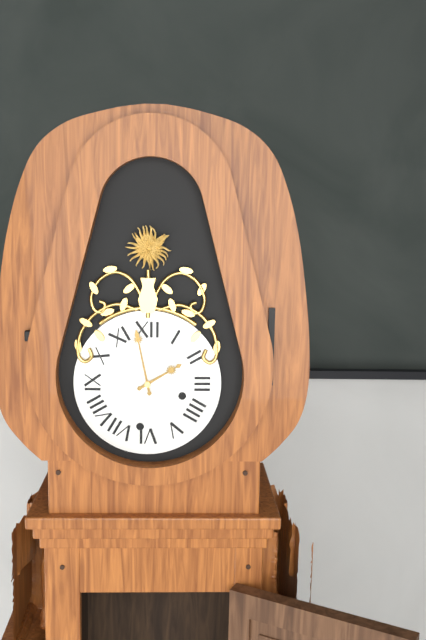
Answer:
1.58
